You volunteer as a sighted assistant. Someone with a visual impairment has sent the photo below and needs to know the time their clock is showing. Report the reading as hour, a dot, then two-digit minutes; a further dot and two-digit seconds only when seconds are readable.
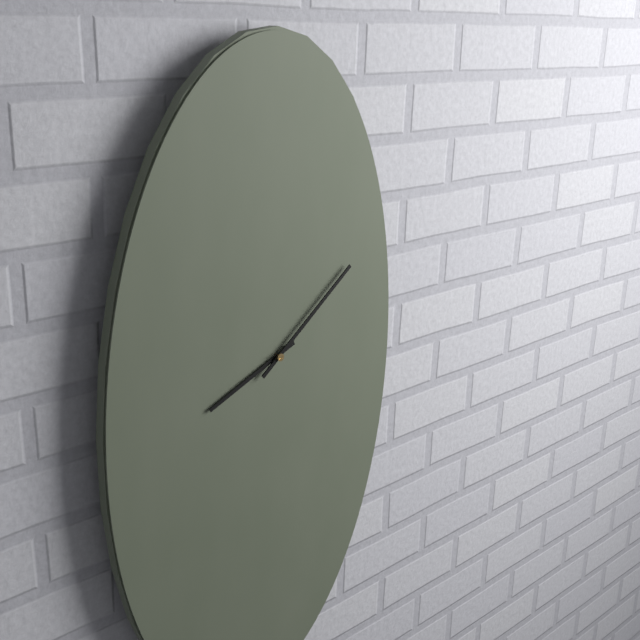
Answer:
8.08
